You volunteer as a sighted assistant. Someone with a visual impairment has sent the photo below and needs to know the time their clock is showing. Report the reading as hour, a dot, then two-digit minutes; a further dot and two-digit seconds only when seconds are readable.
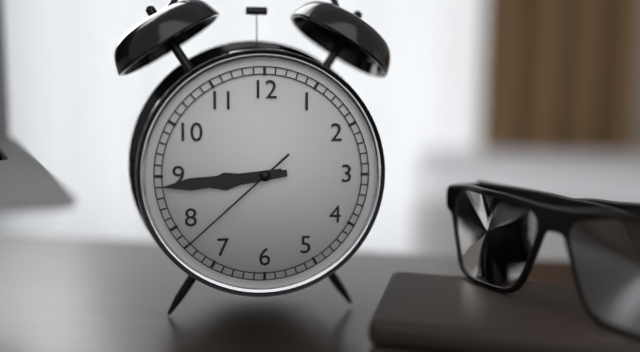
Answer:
8.44.38
